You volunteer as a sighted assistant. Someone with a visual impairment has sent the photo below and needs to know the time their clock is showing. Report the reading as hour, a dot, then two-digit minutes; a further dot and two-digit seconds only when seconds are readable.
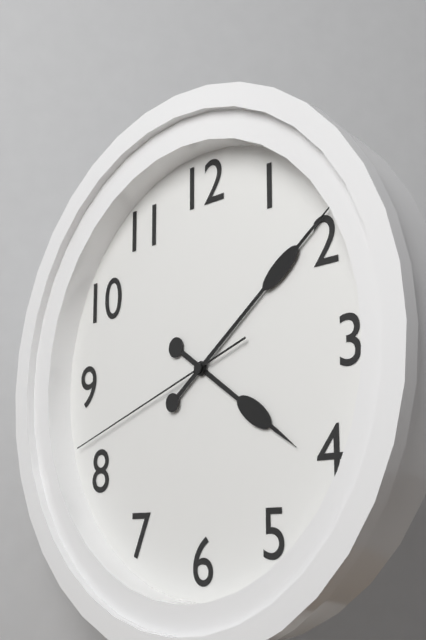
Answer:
4.09.42
